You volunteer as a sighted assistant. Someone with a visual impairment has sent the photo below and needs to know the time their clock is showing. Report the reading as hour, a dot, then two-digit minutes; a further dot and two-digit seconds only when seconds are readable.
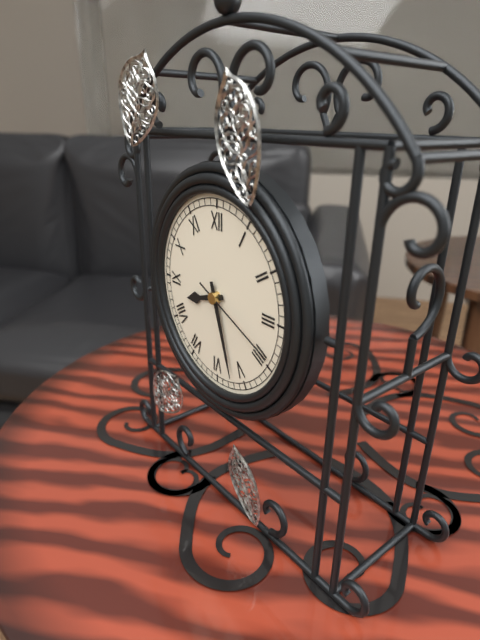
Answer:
8.27.19
